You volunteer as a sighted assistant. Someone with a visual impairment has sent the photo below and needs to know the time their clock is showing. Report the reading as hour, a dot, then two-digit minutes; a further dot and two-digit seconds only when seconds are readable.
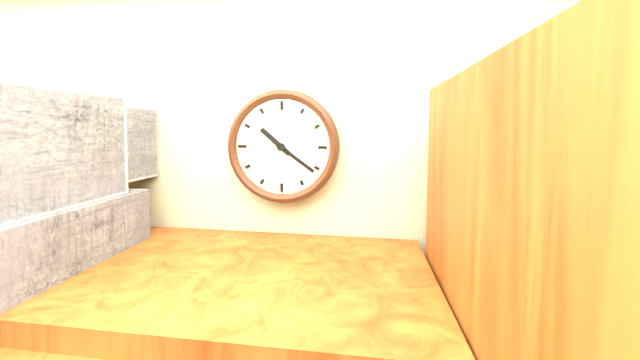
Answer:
10.21
